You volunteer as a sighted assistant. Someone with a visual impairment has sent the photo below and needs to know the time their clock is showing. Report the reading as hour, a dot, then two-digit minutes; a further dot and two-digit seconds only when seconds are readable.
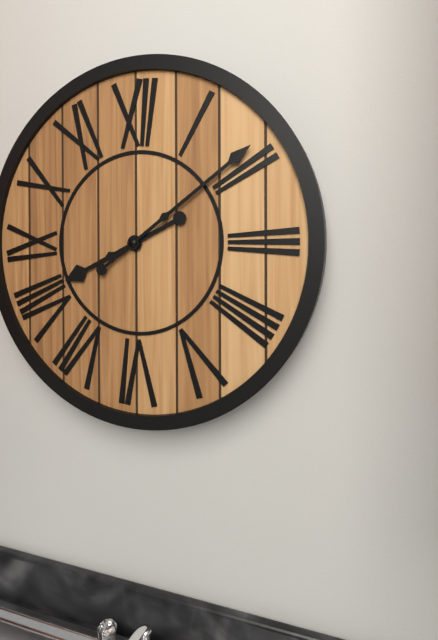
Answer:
8.09
